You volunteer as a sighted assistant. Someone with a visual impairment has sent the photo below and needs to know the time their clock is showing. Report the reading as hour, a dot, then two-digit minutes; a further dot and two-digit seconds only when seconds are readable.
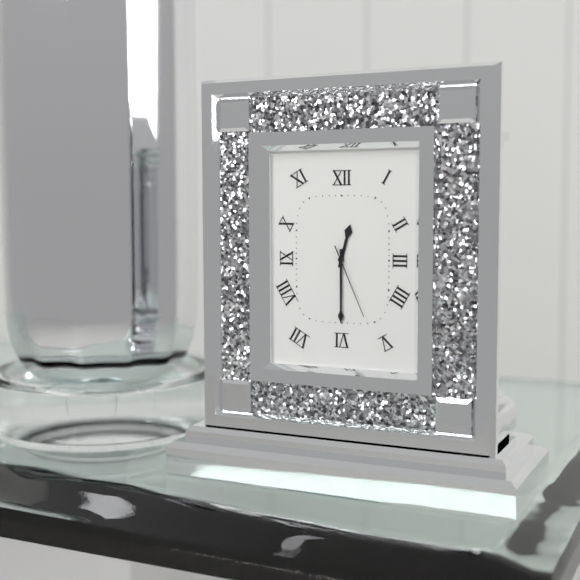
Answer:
12.30.26
